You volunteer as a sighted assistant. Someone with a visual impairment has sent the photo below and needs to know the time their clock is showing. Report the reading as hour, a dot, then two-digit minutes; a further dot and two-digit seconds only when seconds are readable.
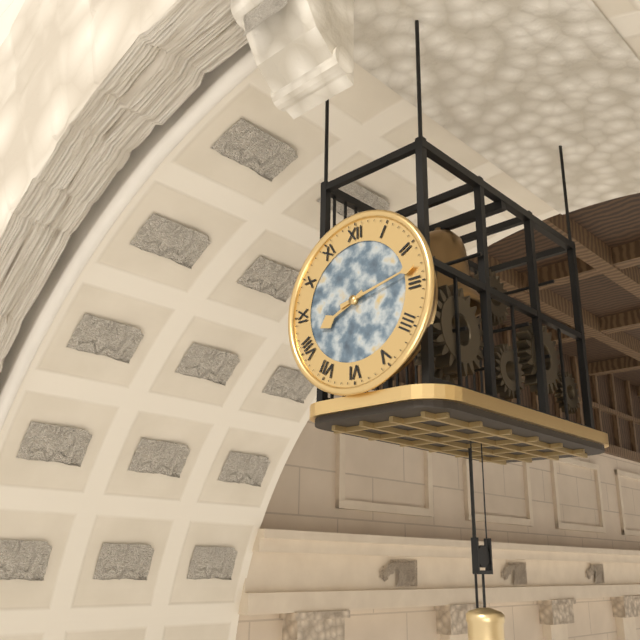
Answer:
8.13
